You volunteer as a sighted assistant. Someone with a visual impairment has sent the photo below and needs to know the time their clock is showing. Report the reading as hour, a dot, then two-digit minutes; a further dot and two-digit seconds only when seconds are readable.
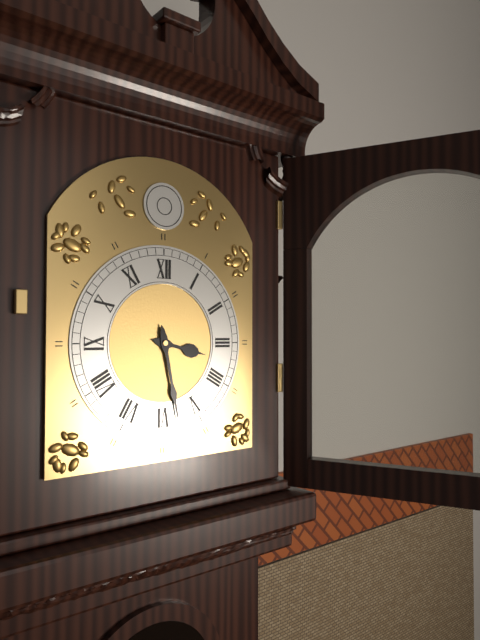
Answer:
3.28
